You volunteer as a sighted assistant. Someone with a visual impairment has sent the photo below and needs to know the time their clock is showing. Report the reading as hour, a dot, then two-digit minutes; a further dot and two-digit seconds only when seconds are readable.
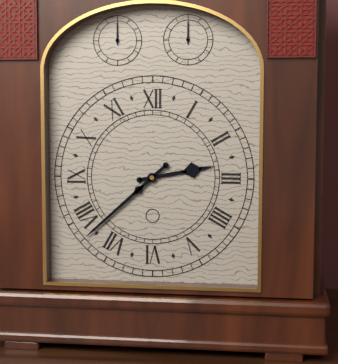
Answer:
2.38
